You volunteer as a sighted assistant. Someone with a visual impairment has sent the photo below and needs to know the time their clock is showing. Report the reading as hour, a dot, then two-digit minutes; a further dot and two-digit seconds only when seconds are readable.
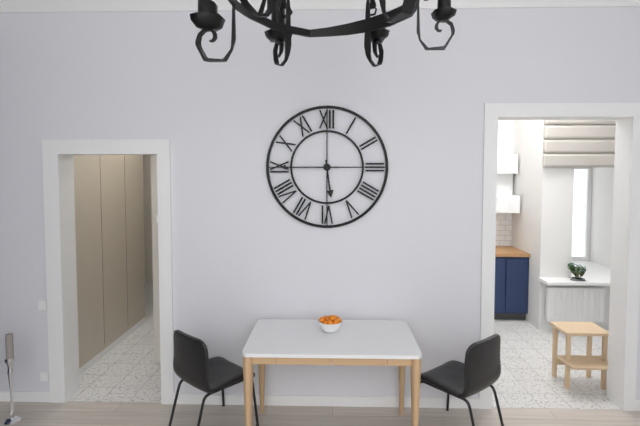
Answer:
5.45
